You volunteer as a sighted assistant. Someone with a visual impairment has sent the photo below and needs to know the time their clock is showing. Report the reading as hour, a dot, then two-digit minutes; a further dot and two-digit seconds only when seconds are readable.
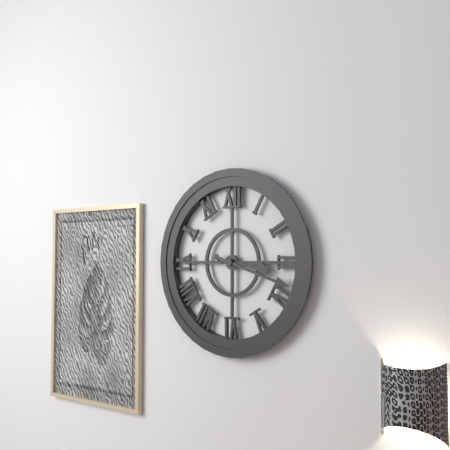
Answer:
3.18
